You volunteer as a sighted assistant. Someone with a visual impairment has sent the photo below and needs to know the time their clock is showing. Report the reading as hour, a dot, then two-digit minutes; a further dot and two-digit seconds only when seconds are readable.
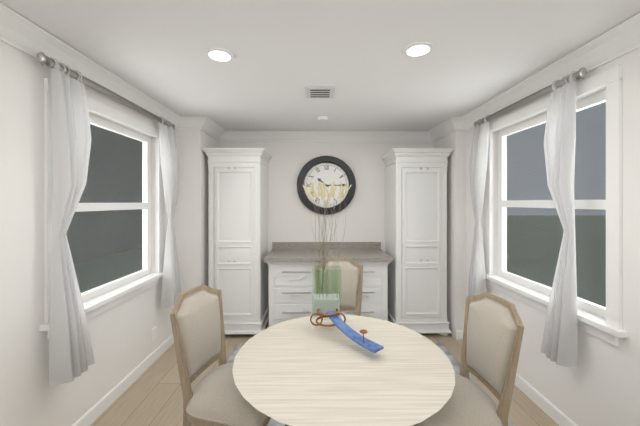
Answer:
10.15
